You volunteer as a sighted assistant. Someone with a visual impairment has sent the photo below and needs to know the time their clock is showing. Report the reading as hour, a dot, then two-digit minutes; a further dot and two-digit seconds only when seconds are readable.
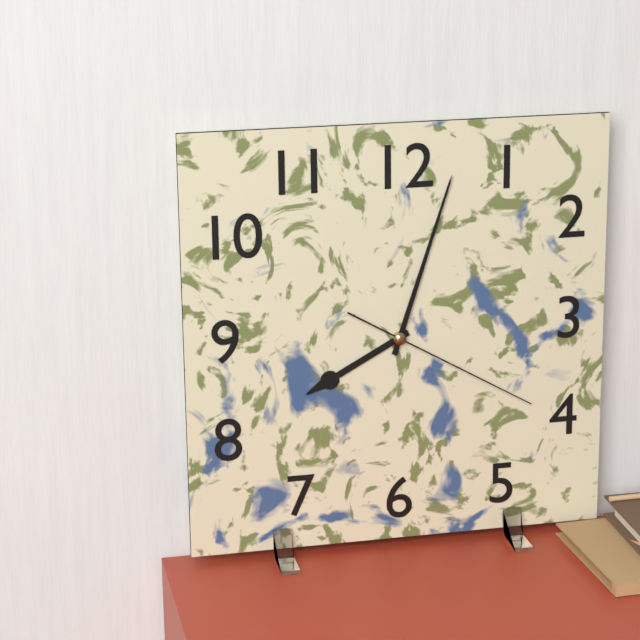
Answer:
8.03.20
